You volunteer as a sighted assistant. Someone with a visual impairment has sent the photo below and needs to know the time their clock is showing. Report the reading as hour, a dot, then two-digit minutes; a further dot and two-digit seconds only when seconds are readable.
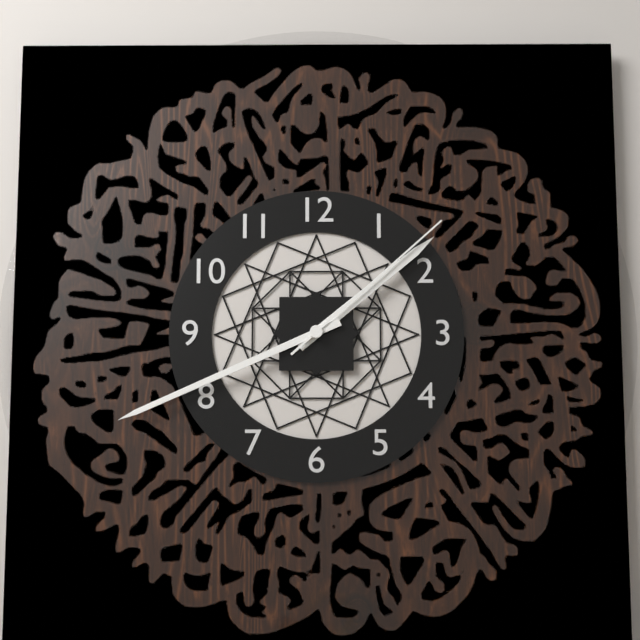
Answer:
1.41.08
